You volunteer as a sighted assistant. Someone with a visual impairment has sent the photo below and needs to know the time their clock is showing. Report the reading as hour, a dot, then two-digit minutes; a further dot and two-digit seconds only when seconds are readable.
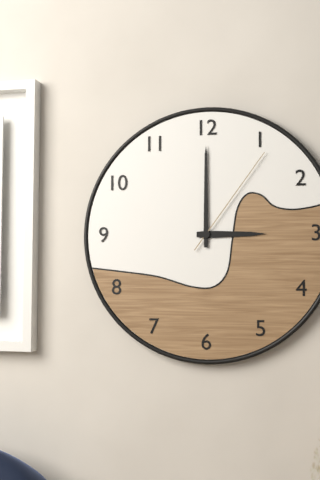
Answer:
3.00.06
